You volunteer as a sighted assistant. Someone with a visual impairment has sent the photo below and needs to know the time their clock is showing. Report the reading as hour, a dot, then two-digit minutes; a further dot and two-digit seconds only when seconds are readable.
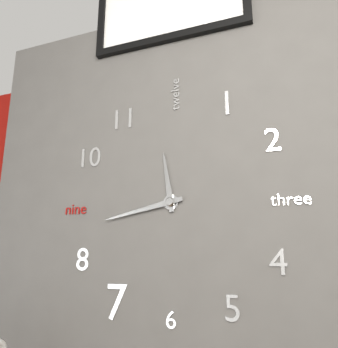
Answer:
11.43
